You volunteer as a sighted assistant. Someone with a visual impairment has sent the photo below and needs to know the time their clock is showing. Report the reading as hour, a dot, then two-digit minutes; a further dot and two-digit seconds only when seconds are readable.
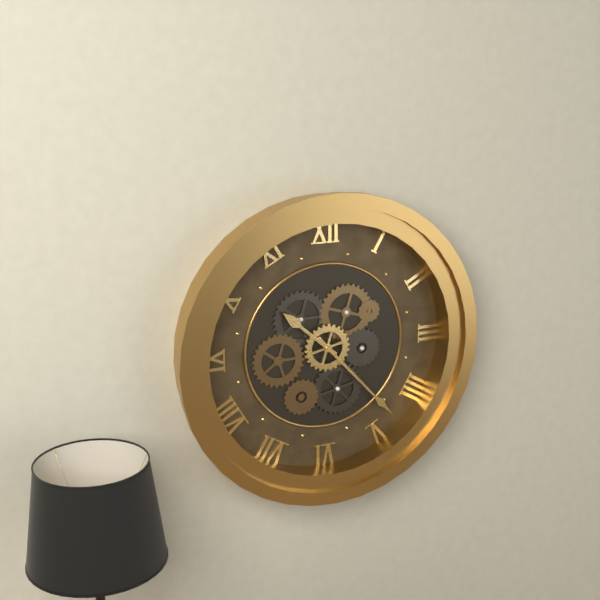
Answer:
10.23
